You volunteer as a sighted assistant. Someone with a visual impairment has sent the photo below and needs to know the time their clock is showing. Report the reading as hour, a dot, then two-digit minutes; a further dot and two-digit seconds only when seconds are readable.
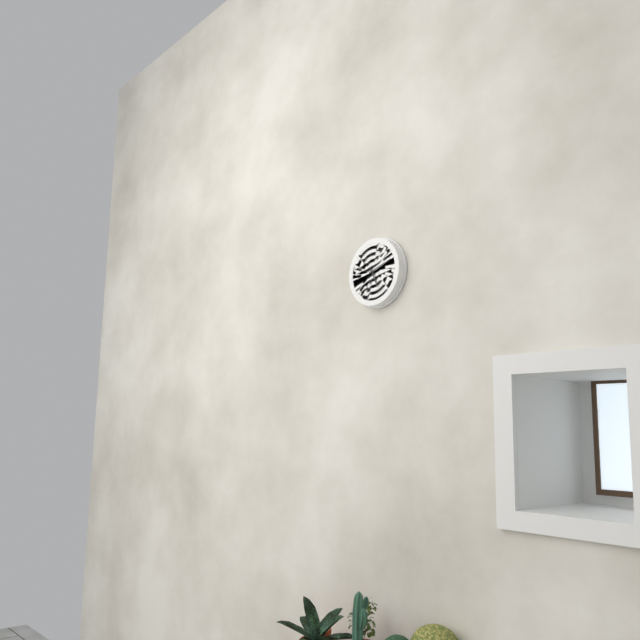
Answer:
5.12
